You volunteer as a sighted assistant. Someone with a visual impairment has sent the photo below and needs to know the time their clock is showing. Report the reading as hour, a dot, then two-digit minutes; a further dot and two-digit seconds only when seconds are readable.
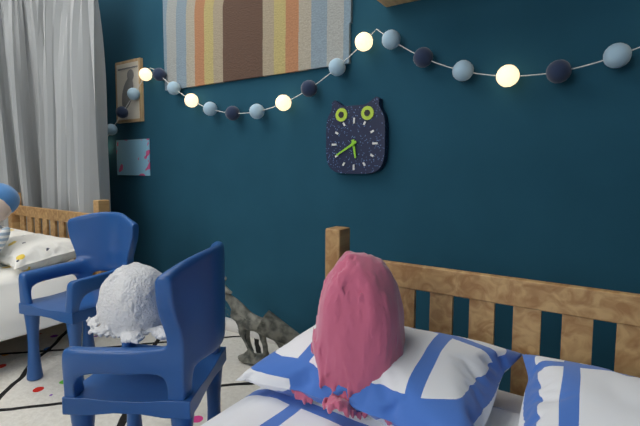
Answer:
5.40
